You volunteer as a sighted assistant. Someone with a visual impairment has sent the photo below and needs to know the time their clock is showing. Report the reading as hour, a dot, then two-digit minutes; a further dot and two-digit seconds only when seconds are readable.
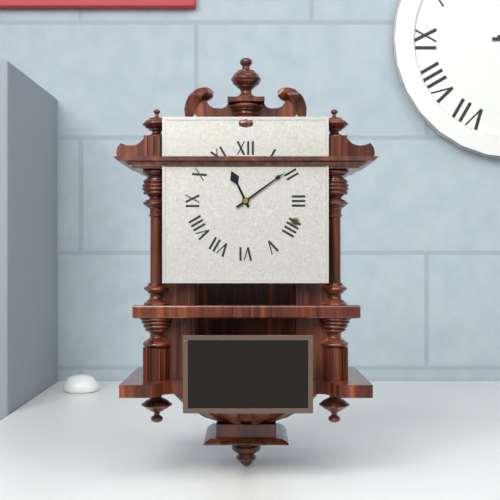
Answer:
11.09
